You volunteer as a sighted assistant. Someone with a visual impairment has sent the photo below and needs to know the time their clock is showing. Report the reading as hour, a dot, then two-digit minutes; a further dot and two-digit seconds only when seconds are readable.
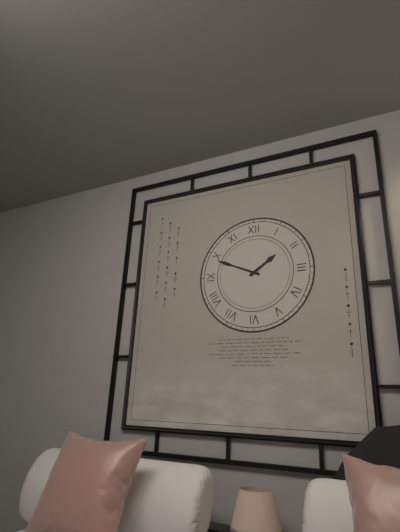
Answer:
1.49
